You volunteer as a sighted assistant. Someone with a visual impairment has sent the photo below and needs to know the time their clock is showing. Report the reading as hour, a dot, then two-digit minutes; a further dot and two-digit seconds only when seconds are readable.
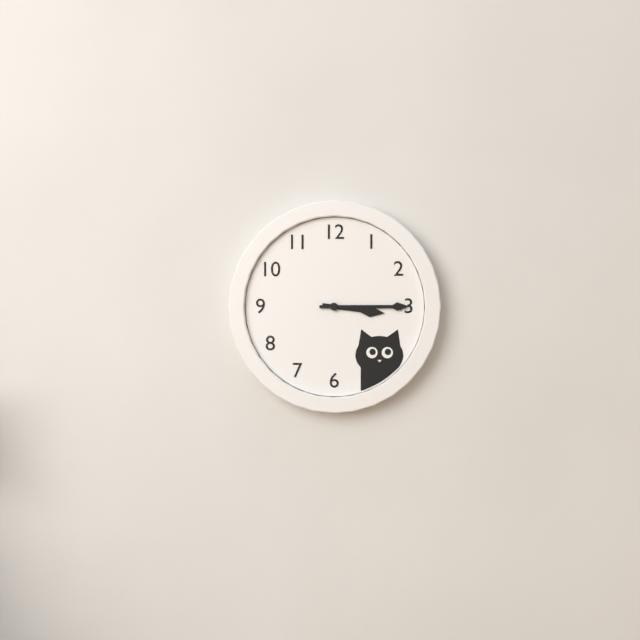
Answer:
3.15
